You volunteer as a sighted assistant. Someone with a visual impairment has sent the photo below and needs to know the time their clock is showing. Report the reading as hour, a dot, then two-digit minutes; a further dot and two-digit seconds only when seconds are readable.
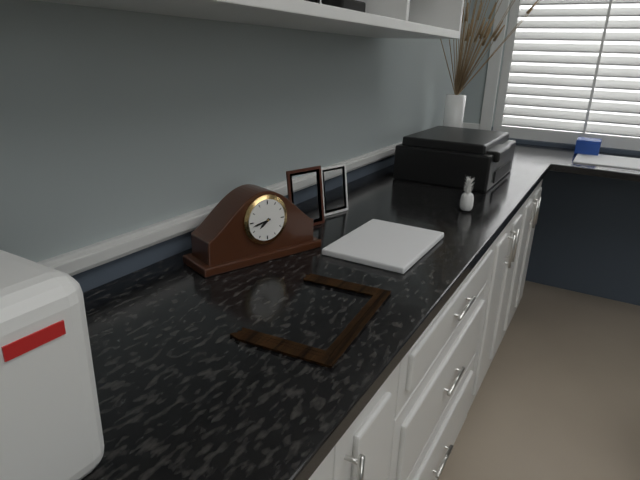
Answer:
7.43
